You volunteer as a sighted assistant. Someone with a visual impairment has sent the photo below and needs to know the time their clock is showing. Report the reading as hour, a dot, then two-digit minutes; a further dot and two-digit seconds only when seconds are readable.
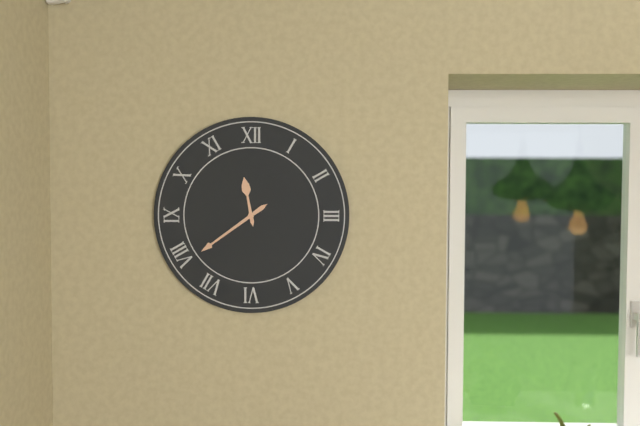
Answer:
11.39
